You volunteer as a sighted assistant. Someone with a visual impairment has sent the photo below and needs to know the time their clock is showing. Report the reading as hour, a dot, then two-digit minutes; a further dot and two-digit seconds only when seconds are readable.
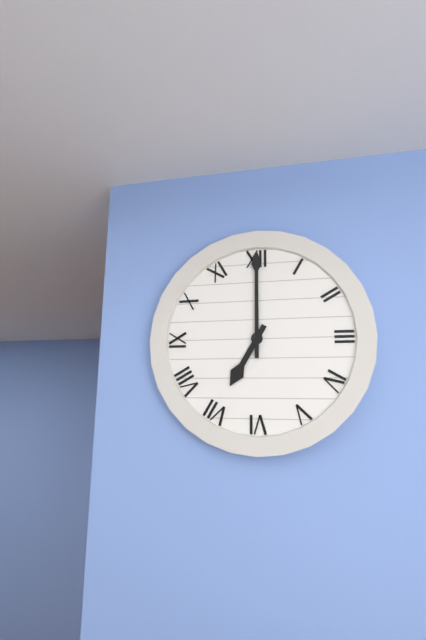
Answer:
7.00
